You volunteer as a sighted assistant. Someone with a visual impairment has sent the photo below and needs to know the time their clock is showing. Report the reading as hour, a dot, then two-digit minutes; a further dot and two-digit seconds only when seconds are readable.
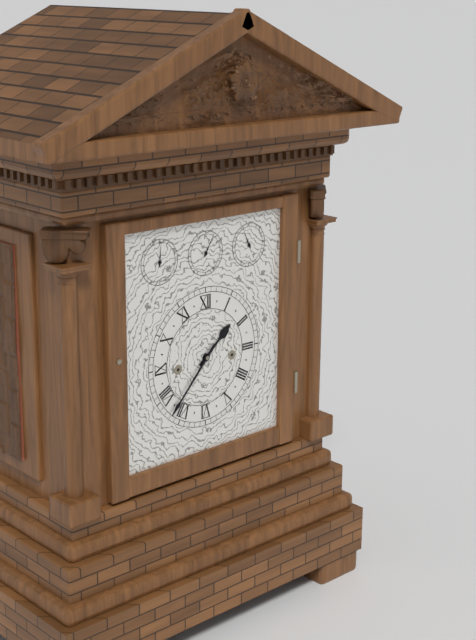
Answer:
1.37
